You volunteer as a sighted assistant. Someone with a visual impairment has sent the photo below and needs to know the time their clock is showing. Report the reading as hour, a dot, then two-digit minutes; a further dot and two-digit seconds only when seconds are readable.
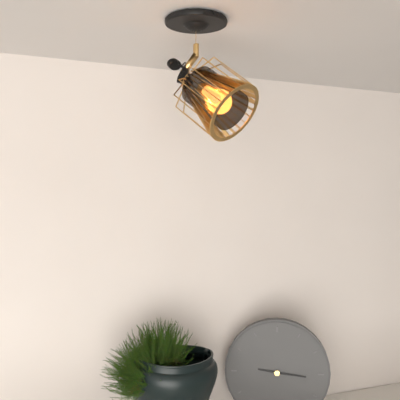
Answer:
9.16
